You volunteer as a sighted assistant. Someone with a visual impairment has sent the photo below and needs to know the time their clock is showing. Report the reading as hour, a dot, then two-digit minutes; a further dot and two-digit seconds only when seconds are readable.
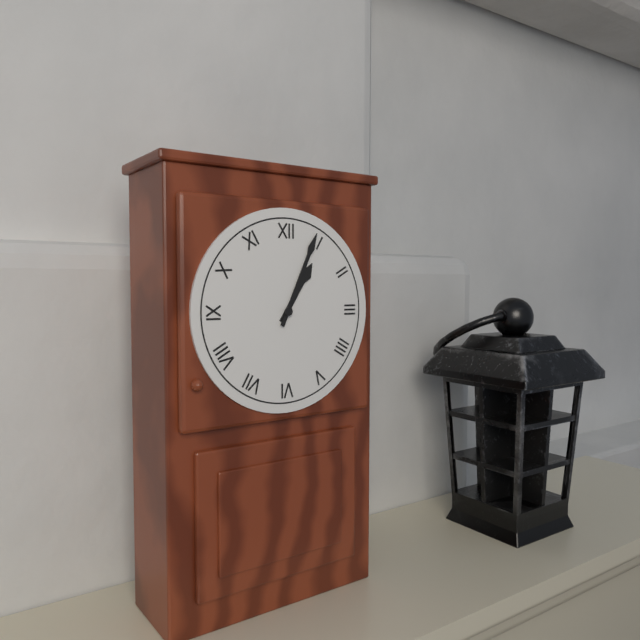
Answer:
1.04
